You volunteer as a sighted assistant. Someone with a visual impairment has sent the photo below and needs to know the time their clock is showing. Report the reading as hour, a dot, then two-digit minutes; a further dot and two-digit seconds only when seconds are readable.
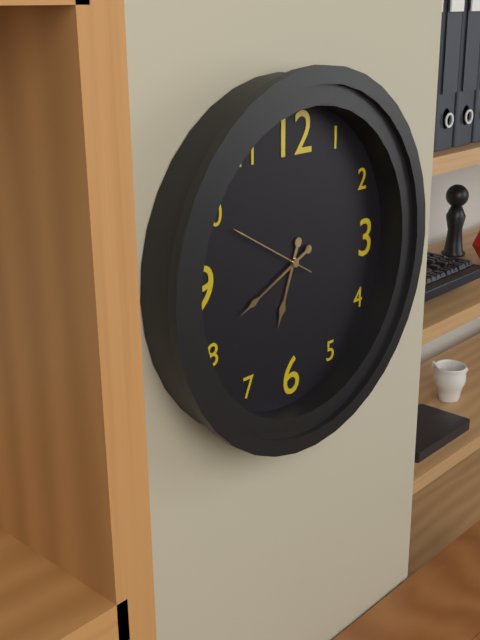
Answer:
6.41.50
